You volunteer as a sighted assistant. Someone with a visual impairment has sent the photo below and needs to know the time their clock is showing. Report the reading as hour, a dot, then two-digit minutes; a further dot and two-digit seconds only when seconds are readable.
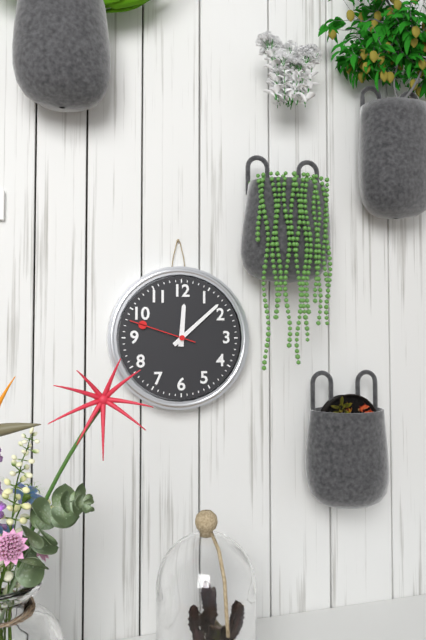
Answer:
12.08.48
